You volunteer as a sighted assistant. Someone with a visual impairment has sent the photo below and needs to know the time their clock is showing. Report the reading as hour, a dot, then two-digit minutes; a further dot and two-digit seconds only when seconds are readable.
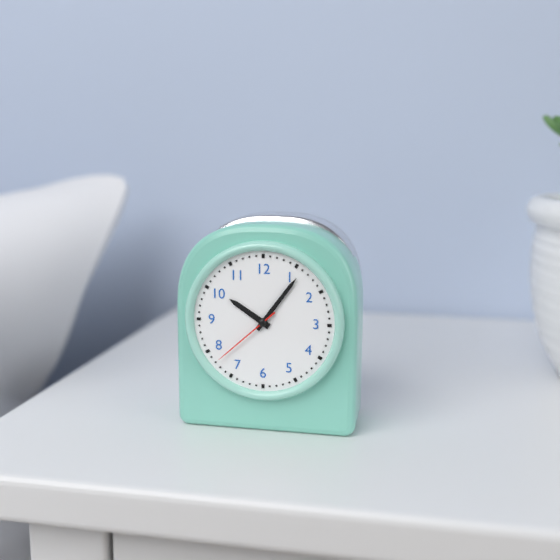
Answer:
10.06.38
